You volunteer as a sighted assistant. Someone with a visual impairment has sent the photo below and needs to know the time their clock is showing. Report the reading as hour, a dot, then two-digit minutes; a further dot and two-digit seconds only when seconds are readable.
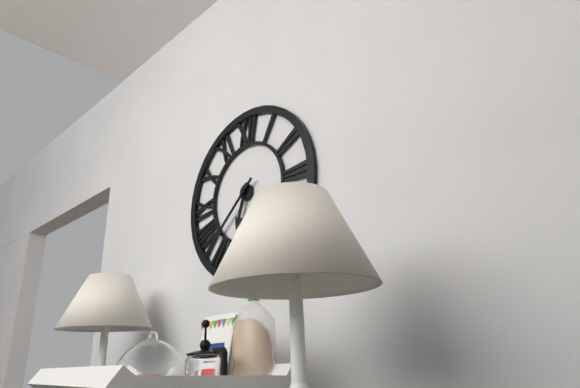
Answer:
6.38
